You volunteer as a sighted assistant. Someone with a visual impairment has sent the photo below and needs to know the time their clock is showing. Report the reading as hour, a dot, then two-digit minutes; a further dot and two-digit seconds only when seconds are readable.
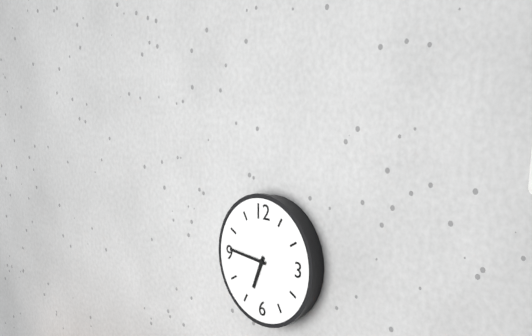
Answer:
6.46
